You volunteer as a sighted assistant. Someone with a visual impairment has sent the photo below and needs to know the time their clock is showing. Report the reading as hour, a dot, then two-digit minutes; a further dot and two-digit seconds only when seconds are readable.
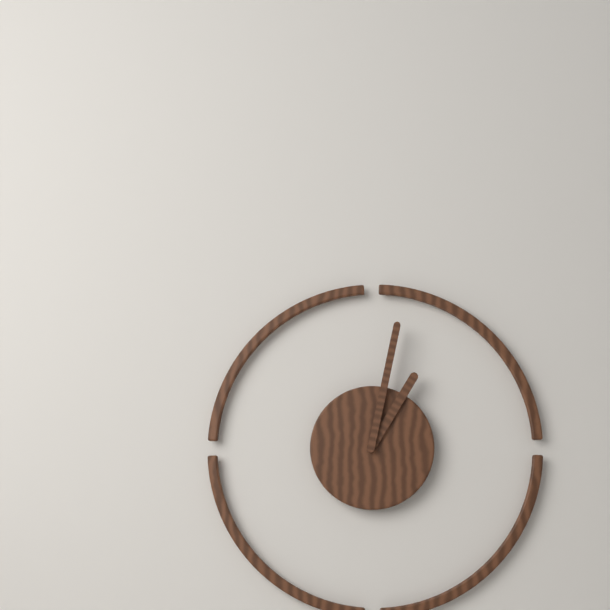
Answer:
1.02
